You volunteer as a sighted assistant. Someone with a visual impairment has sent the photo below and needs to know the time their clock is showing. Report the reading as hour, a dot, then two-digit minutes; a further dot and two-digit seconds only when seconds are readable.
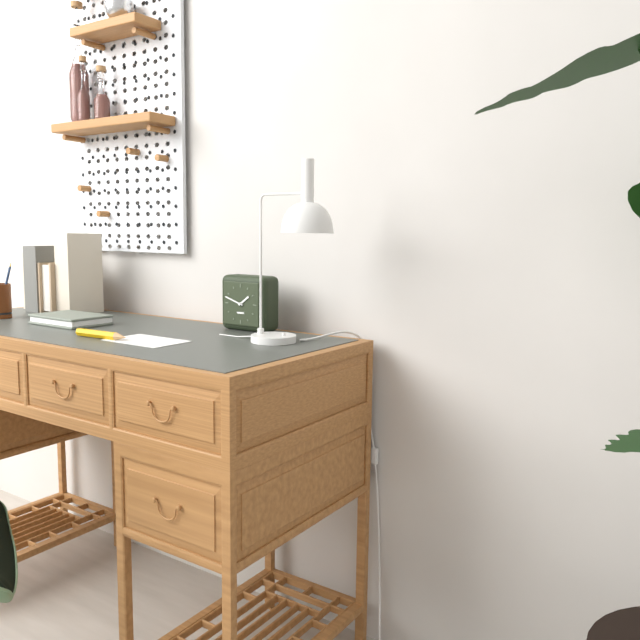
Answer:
1.48
